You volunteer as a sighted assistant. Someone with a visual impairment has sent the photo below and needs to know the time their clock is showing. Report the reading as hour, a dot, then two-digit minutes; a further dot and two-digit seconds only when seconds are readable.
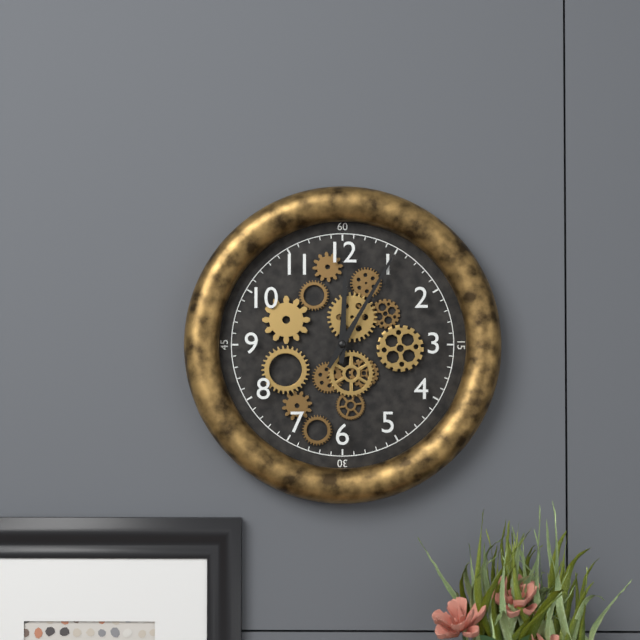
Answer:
12.05
